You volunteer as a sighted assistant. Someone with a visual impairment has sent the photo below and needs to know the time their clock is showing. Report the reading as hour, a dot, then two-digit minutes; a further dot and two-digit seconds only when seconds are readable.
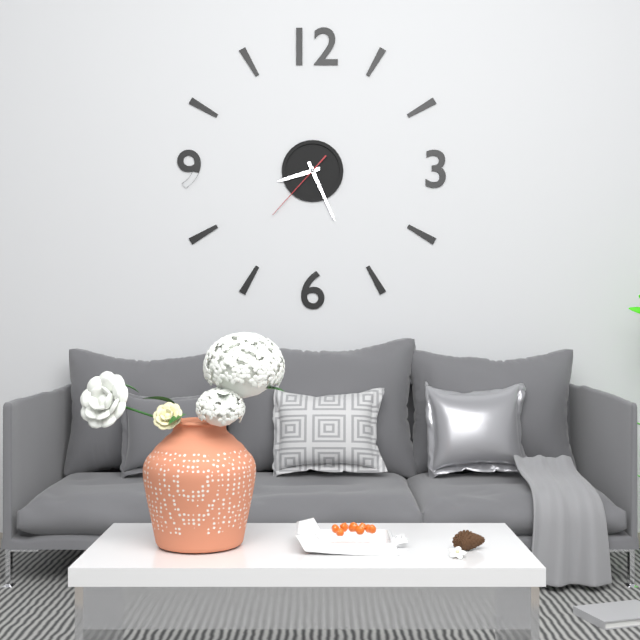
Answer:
8.26.37
